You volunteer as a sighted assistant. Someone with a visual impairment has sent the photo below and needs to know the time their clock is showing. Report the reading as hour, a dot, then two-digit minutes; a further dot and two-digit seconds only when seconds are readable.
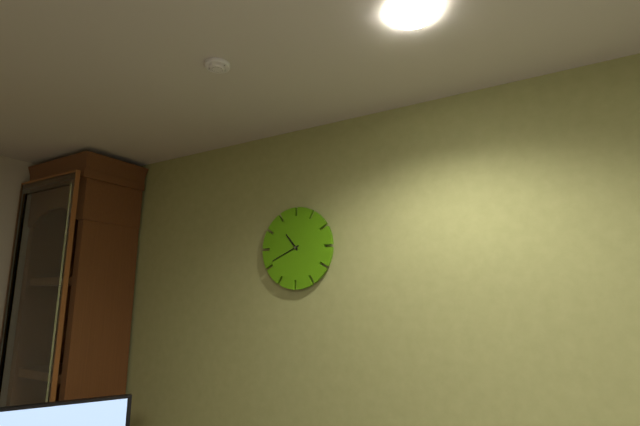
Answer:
10.41
